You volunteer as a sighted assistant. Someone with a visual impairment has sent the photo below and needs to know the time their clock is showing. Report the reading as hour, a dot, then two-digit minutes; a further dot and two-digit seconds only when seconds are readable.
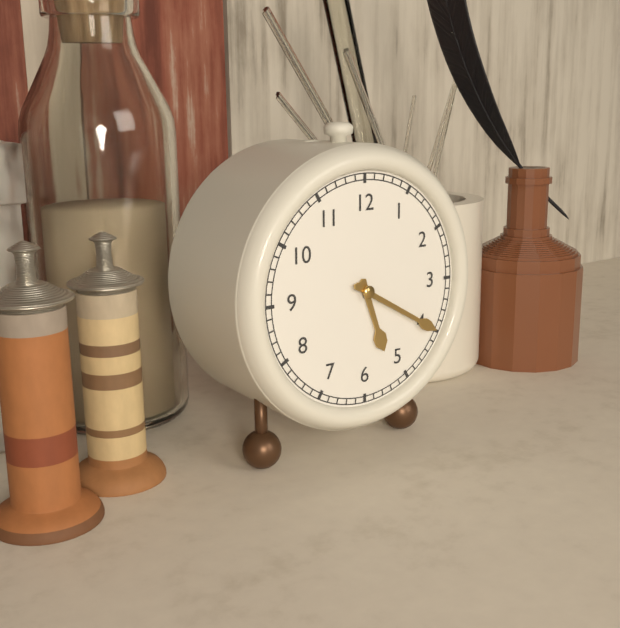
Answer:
5.20
